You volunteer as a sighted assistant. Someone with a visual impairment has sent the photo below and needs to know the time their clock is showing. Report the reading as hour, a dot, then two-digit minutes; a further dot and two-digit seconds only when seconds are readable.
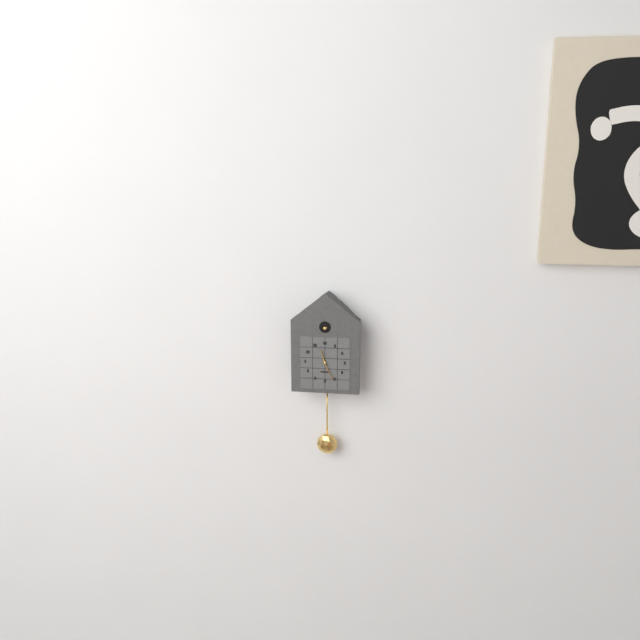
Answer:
11.26
